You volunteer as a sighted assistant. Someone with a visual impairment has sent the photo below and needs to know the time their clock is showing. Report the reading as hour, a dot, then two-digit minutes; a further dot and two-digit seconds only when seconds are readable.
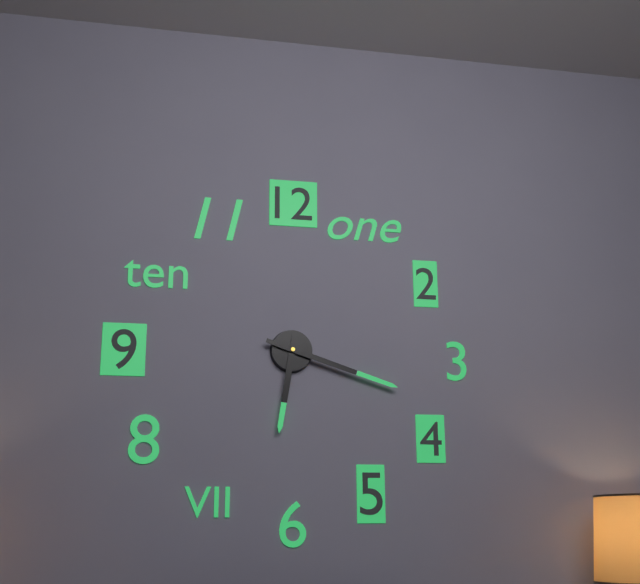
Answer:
6.18
